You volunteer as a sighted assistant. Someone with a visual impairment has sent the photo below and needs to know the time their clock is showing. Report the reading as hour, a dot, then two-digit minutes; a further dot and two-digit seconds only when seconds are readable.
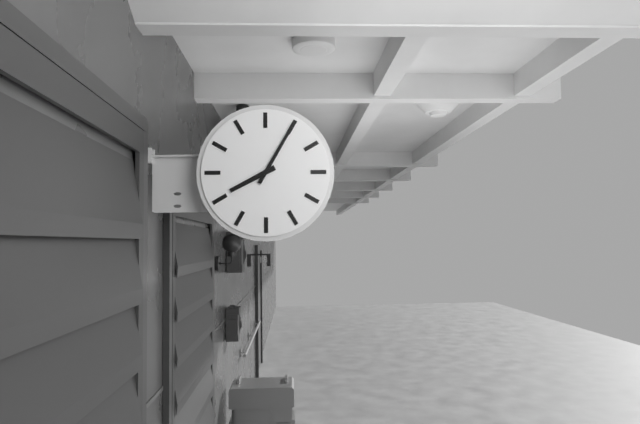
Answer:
8.05
